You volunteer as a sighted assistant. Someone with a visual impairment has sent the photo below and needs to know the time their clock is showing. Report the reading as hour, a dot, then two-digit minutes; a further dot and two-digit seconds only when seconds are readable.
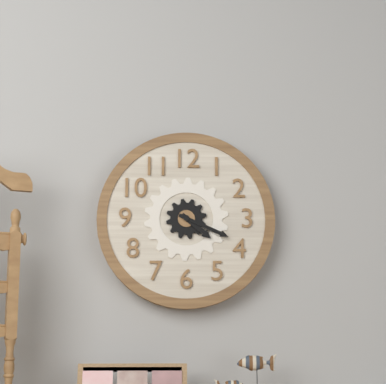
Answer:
4.19
